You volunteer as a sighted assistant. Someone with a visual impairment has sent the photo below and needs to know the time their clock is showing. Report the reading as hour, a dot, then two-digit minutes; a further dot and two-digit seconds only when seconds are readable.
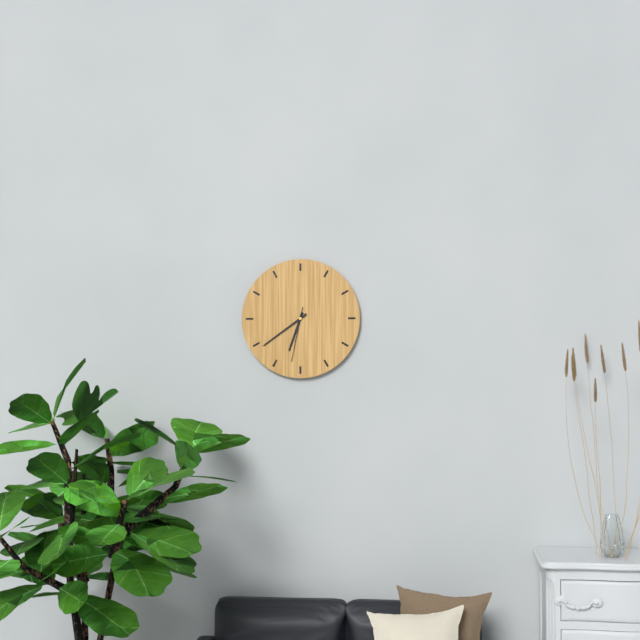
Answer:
6.39.32
